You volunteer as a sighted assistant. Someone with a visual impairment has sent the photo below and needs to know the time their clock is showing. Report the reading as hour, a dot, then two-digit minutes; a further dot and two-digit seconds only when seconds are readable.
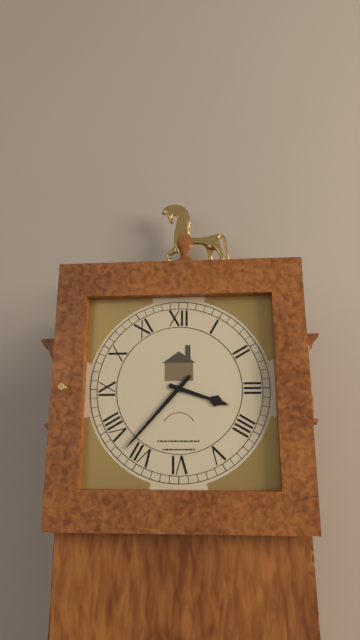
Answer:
3.37
